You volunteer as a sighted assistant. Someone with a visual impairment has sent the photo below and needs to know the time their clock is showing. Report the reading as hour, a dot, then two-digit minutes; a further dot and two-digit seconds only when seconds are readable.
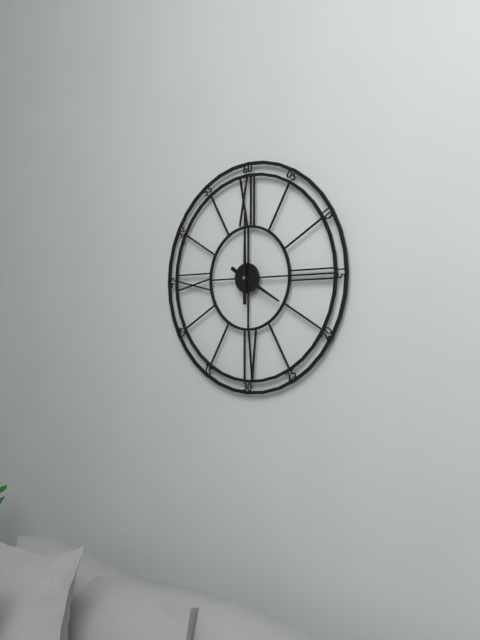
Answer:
4.00
